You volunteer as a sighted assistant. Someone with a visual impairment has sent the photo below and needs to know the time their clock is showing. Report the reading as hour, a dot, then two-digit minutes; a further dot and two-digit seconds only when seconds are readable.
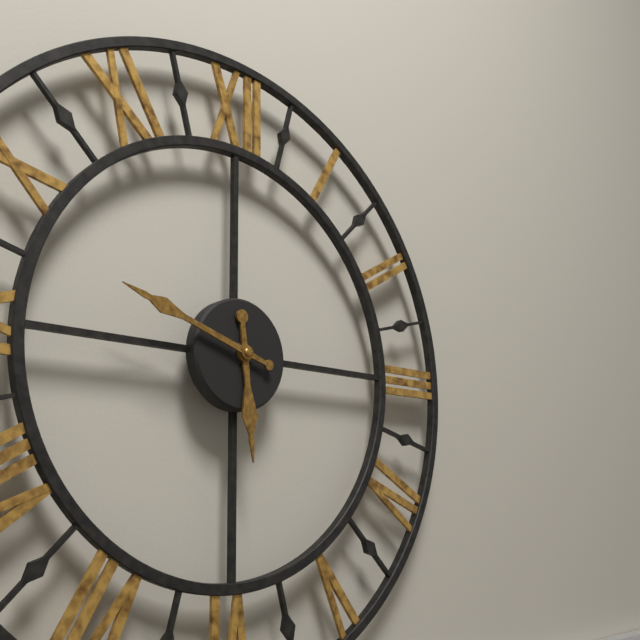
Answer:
5.48
